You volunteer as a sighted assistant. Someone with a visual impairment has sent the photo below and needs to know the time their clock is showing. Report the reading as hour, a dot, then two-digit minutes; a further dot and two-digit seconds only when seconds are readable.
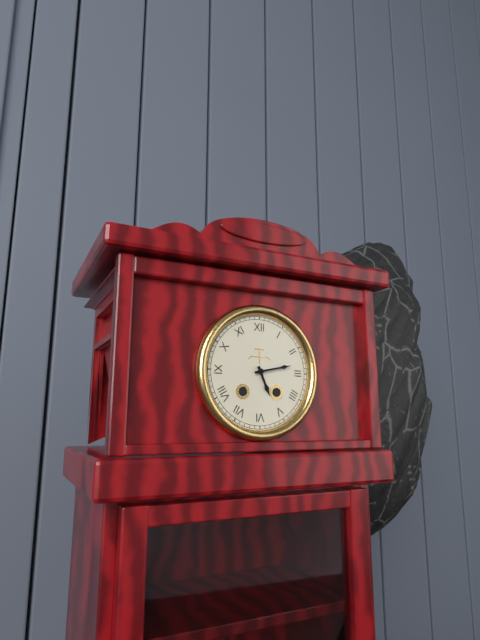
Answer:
5.13
